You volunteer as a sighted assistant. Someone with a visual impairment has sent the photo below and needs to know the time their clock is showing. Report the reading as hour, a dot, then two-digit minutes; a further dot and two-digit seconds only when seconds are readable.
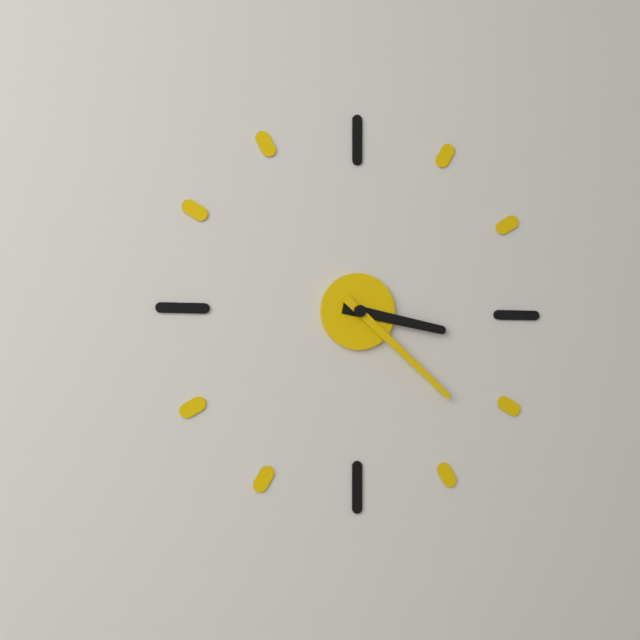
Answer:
3.22
